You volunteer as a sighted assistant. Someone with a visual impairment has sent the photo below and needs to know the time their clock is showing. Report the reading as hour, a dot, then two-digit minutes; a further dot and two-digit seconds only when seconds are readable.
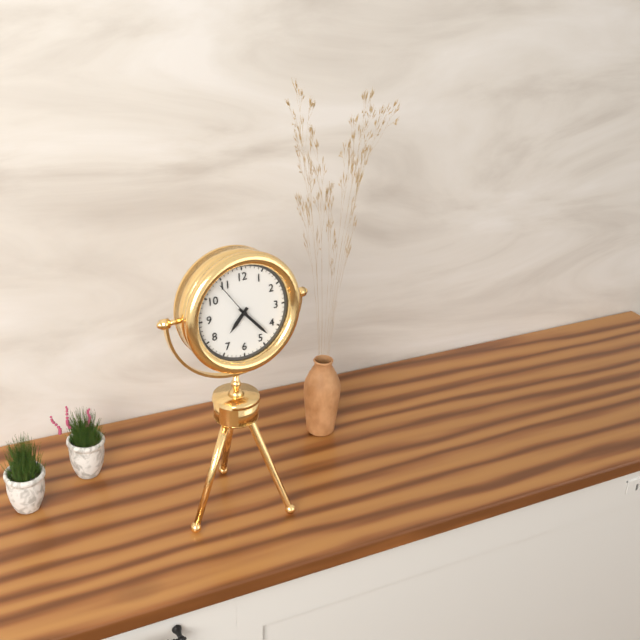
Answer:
7.23
